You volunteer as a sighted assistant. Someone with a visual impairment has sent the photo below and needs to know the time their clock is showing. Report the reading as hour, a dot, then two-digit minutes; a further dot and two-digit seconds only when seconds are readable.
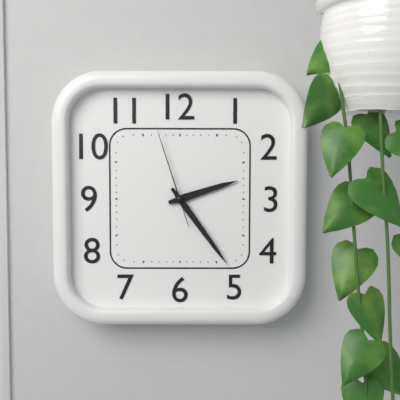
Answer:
2.24.57
